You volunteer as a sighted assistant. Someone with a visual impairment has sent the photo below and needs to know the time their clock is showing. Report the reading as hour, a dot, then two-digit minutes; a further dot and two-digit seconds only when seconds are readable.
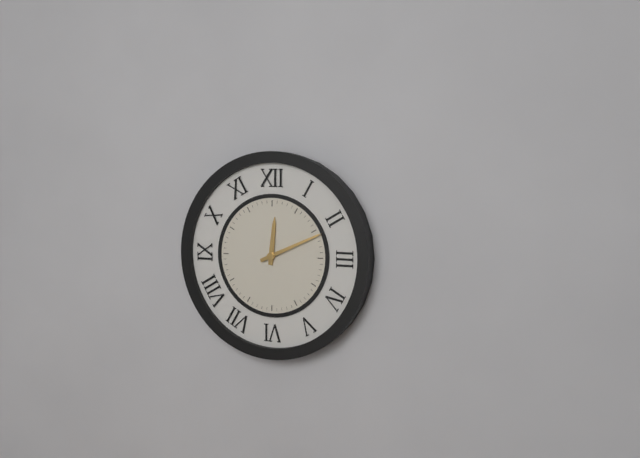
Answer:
12.11
